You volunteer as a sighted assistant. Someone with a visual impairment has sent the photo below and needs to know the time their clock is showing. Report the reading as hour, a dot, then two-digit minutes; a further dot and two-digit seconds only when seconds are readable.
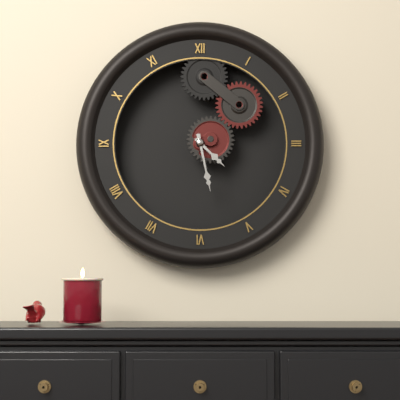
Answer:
4.28
